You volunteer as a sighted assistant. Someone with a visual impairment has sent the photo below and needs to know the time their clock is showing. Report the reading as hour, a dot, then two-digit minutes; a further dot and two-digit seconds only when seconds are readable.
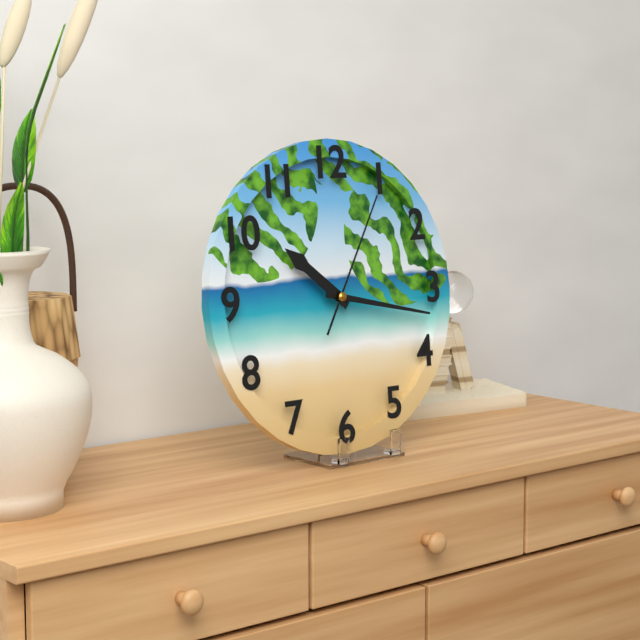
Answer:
10.17.05
